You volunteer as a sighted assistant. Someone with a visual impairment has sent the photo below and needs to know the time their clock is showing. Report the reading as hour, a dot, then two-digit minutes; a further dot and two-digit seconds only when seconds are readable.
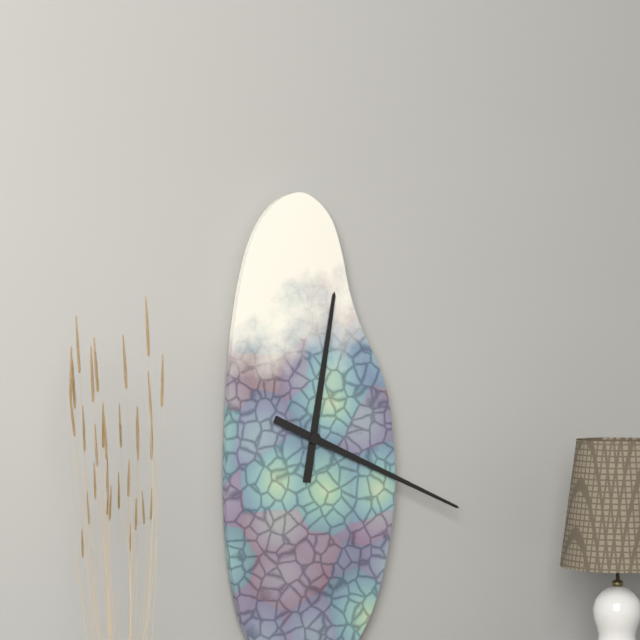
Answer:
12.19
